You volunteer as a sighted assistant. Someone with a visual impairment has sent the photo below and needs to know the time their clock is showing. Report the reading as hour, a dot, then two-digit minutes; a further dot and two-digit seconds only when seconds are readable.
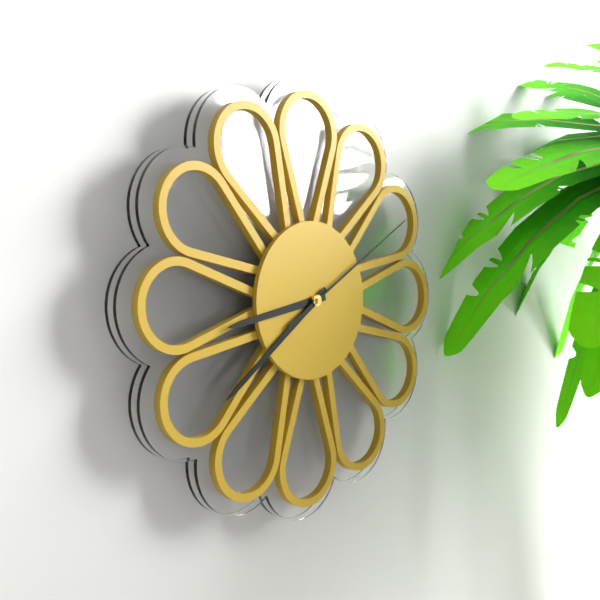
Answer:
8.39.10
